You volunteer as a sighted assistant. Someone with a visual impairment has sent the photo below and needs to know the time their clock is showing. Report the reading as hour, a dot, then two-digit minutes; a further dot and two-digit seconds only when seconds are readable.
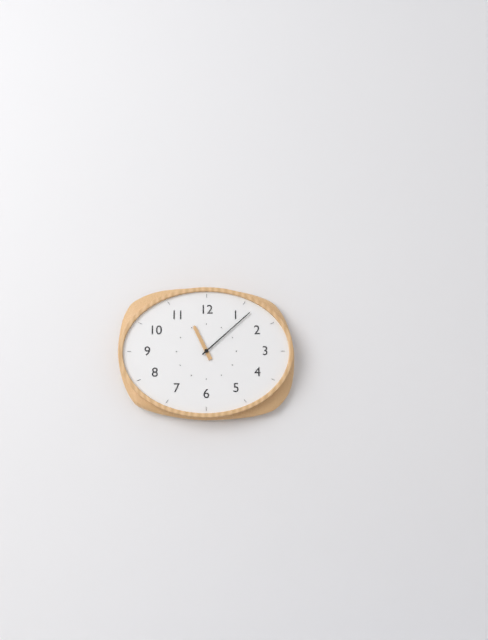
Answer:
11.08
